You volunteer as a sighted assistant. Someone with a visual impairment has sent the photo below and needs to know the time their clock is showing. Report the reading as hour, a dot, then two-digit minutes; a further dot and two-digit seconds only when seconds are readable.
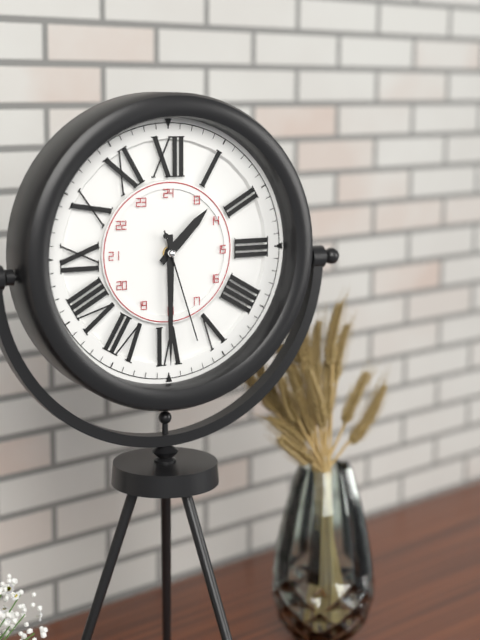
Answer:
1.30.27
